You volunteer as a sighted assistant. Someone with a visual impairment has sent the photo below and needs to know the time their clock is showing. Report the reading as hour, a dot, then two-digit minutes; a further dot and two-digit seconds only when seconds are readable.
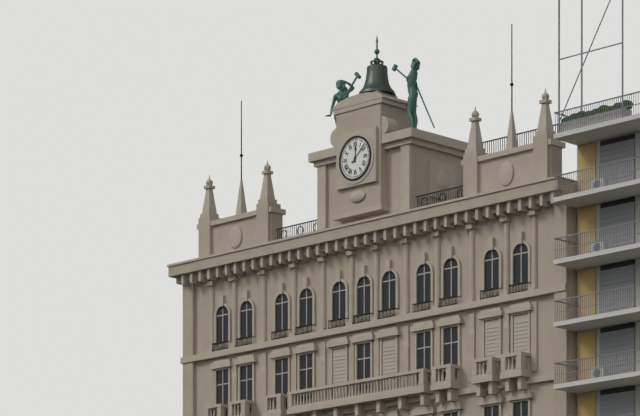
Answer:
12.08
